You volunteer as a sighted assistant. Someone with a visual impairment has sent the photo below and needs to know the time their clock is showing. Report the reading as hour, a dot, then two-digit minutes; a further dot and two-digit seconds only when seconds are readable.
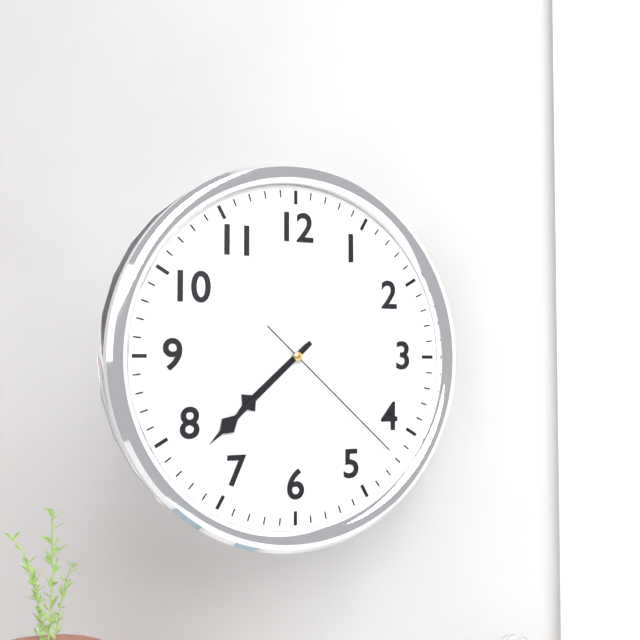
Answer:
7.38.22
